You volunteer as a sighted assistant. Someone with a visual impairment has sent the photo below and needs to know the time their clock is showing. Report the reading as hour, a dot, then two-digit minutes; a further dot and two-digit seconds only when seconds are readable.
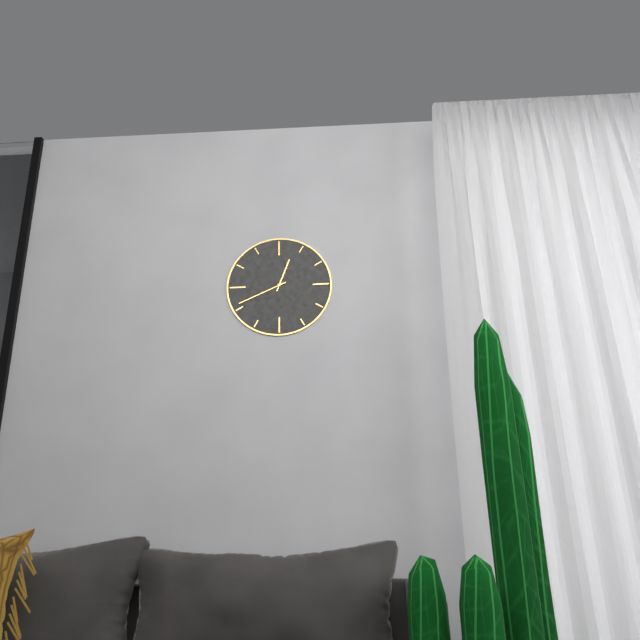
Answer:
12.41
